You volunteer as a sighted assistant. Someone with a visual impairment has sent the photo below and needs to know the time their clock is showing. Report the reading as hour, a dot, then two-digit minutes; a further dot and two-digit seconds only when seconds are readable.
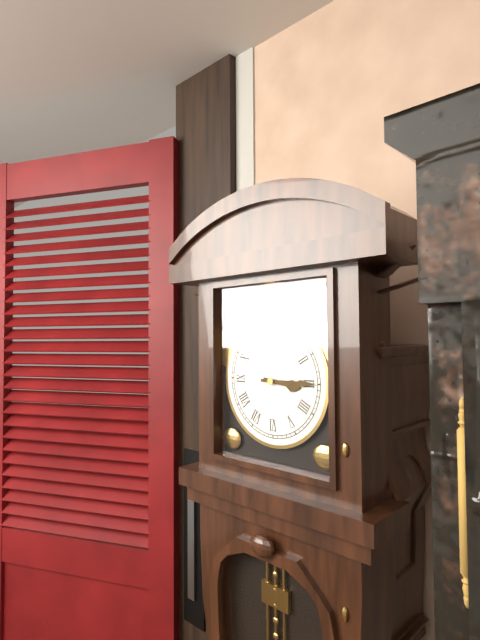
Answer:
3.15
